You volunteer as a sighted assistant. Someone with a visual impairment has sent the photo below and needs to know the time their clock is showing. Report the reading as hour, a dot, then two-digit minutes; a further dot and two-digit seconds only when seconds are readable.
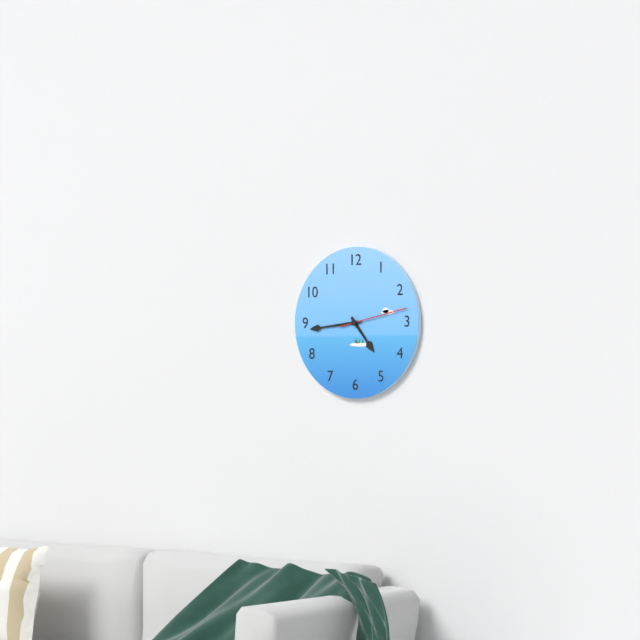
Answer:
4.44.13
